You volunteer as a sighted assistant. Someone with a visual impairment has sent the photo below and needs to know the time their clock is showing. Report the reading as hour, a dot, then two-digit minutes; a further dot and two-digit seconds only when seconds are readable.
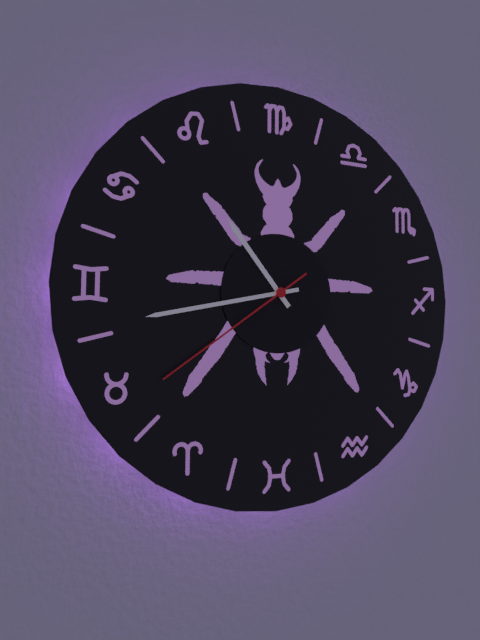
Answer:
10.43.39
